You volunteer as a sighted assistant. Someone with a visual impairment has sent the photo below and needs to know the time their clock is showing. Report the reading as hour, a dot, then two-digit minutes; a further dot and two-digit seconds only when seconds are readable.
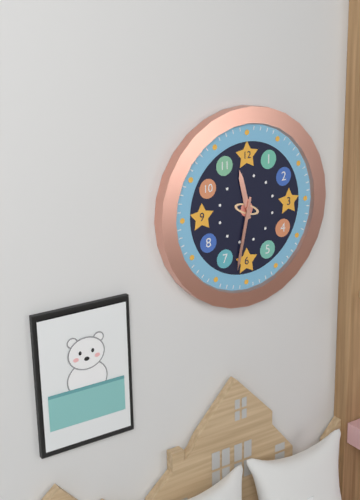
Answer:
11.32
